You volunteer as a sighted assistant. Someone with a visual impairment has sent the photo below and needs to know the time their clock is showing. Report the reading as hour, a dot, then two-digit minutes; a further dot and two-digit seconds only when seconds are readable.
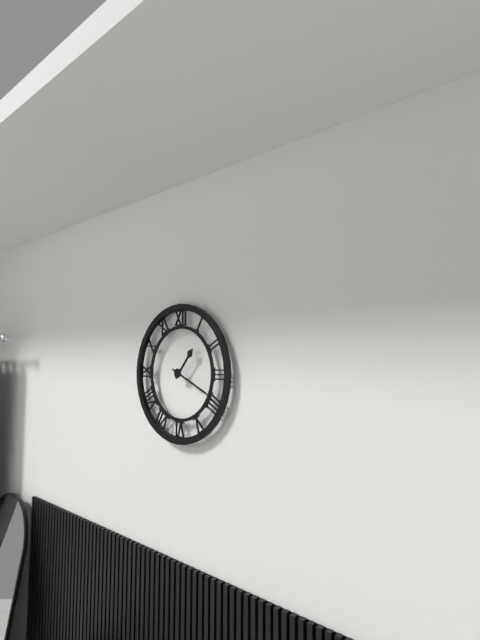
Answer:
1.19
